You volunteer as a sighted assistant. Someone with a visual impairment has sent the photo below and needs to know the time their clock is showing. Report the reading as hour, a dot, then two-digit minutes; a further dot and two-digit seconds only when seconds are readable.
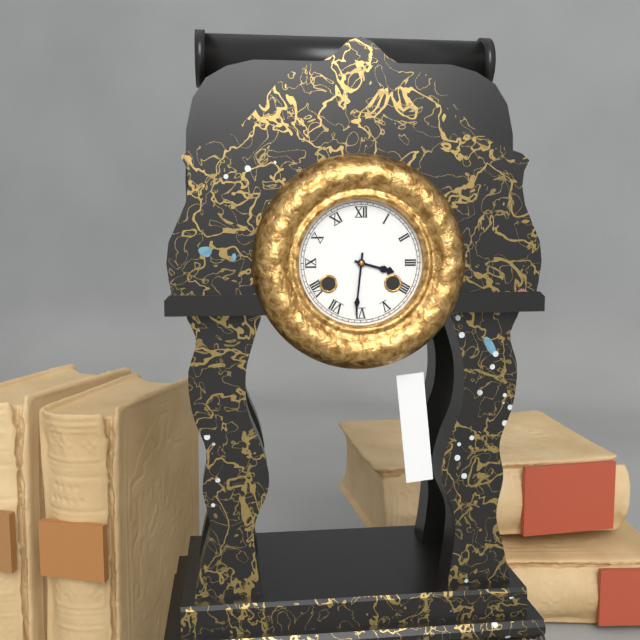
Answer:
3.31
